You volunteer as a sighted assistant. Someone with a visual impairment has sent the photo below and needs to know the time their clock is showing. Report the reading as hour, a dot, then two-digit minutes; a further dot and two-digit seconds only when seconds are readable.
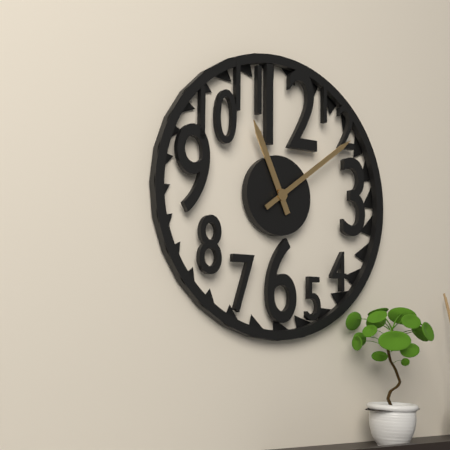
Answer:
11.09
